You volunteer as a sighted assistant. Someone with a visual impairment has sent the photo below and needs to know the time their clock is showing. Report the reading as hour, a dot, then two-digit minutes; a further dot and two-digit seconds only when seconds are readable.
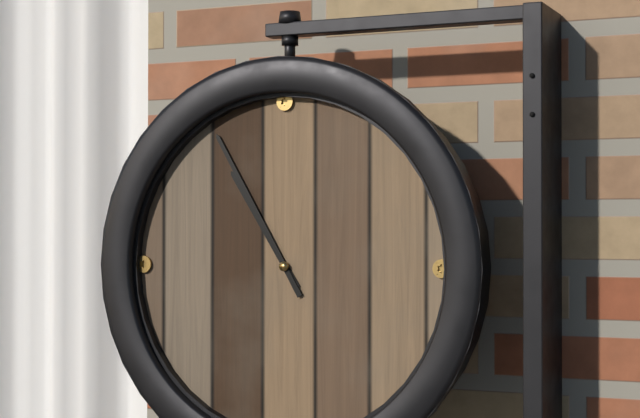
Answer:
10.55
